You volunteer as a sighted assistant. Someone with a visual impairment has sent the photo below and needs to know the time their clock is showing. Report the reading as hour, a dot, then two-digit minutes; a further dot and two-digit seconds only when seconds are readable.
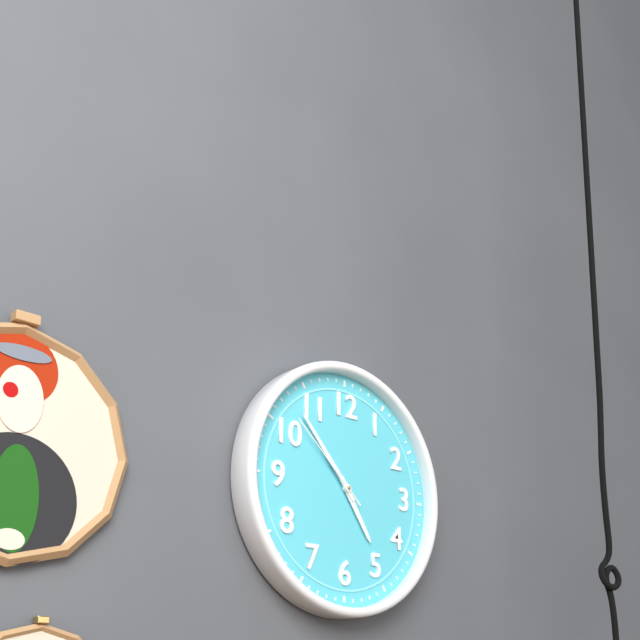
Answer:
4.53.52
